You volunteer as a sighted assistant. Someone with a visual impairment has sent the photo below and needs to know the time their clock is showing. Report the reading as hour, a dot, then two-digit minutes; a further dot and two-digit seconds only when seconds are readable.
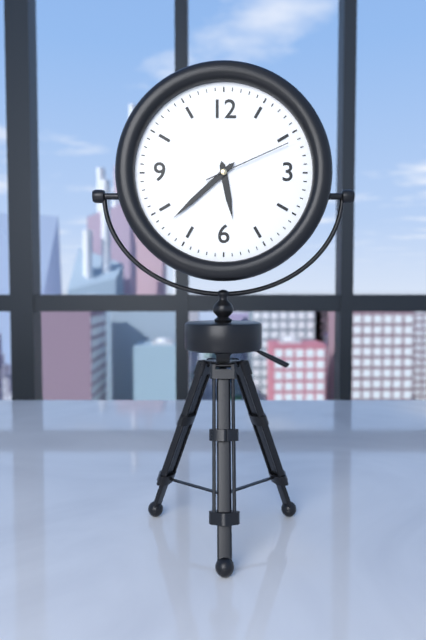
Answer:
5.38.11
